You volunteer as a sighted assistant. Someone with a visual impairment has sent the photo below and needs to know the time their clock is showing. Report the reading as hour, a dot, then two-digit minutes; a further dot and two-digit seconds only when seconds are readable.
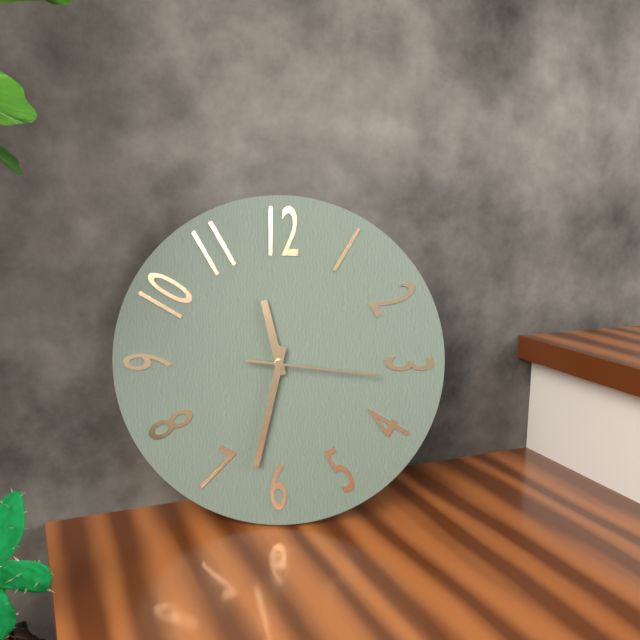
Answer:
11.32.16
